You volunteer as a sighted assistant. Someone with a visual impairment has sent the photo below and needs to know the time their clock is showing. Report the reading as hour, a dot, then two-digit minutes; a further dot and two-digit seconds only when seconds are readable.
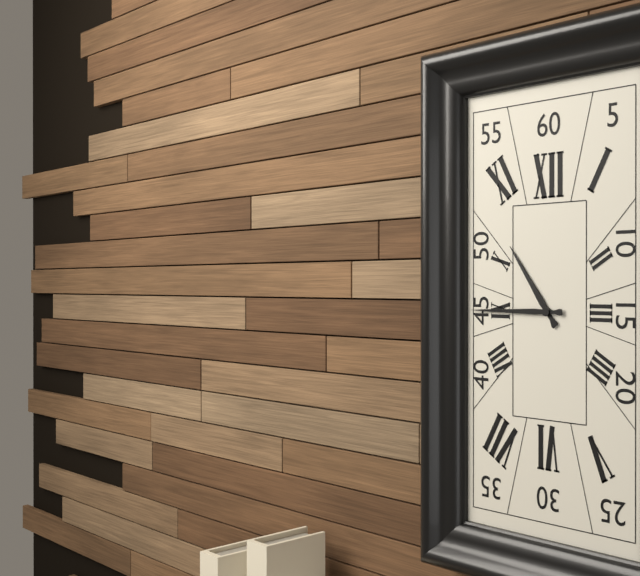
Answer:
10.45
